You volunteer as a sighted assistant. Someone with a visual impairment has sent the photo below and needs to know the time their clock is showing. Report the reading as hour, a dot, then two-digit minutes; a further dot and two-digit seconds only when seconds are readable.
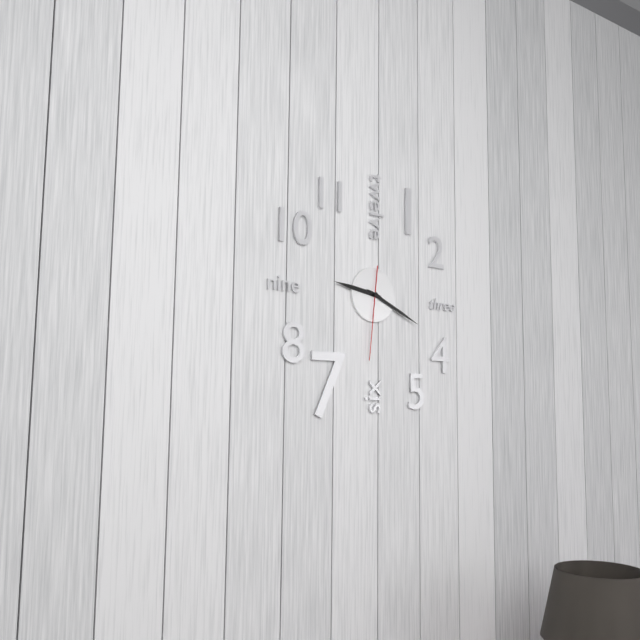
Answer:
9.19.31
